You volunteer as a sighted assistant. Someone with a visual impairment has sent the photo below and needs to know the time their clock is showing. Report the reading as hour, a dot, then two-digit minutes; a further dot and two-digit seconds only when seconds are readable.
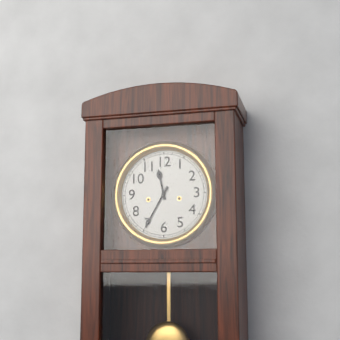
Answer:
11.35
